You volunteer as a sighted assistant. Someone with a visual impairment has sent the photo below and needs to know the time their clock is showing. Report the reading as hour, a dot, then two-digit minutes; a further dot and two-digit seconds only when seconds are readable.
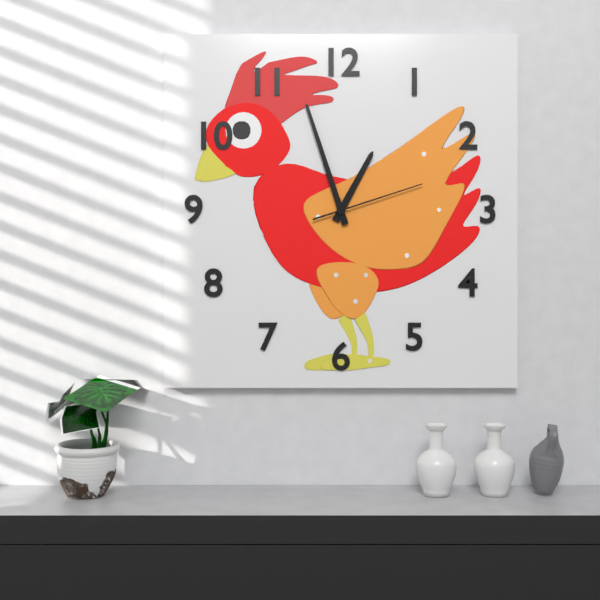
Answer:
12.57.12
